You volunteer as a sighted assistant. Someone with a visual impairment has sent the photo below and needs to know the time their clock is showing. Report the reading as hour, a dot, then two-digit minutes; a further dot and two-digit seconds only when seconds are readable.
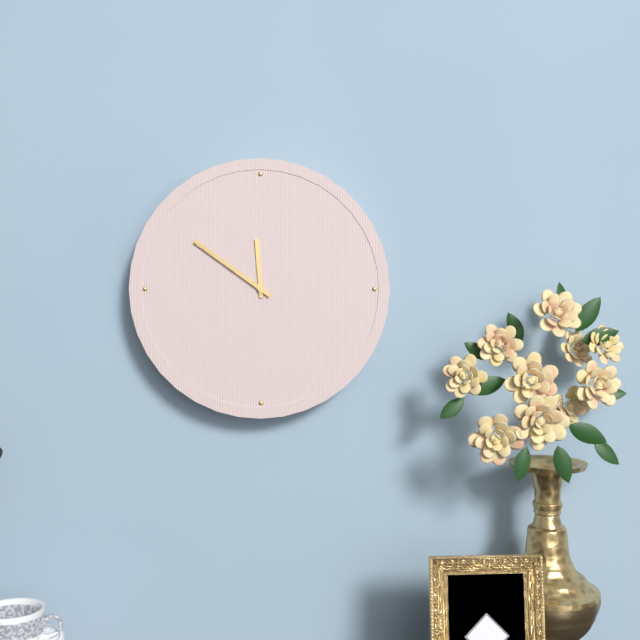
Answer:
11.51
